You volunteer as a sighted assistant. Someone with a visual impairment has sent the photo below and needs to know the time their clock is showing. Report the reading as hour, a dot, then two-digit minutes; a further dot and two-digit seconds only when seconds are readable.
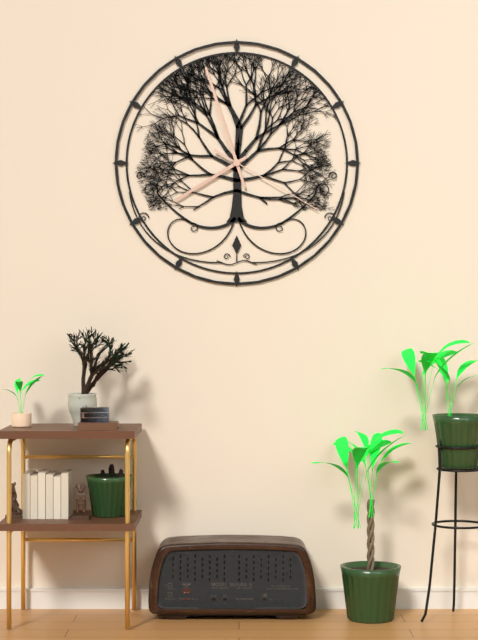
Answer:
7.57.20
